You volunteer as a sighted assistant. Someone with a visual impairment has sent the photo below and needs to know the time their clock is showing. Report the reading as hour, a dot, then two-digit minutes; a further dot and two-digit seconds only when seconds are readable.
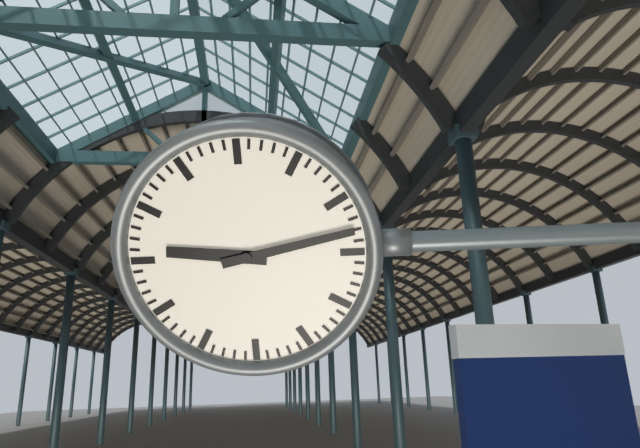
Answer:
9.13
